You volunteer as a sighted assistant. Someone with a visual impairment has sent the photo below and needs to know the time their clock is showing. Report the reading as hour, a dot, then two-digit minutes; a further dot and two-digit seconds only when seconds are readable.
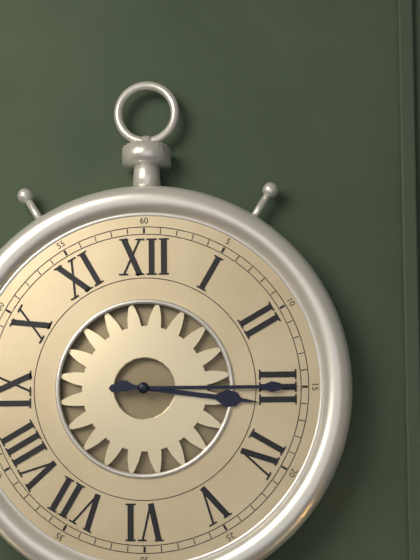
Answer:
3.15
